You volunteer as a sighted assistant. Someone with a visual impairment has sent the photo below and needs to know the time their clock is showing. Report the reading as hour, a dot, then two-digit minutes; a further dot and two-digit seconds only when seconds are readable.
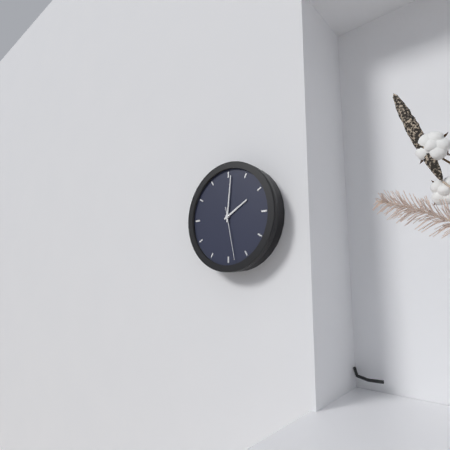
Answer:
2.01.28
